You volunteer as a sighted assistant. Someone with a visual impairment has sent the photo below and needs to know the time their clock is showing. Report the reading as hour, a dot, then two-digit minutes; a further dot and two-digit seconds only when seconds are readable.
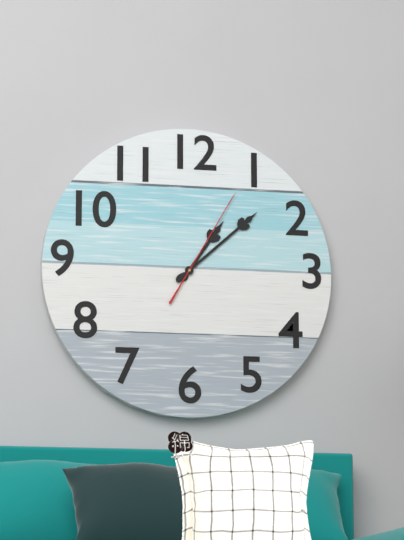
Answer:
1.08.05
